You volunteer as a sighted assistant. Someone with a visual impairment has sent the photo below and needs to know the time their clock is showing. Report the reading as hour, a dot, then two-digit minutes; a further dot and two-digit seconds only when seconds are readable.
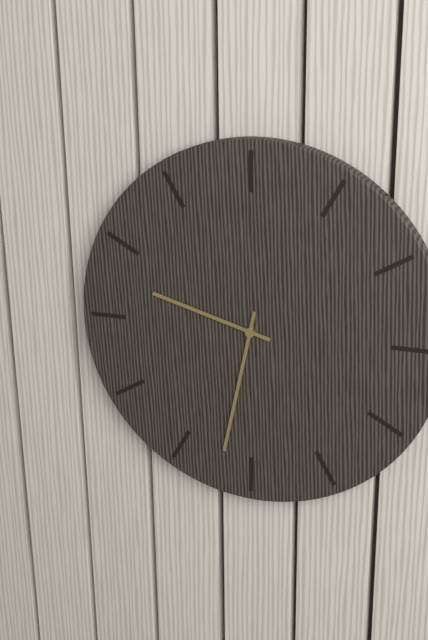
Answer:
9.32
